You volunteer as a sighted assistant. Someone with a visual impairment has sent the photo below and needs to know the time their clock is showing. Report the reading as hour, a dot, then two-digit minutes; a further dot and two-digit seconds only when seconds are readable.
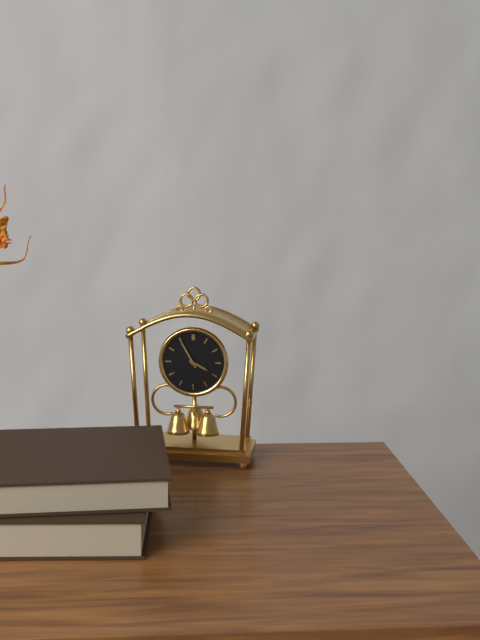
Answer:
3.55
